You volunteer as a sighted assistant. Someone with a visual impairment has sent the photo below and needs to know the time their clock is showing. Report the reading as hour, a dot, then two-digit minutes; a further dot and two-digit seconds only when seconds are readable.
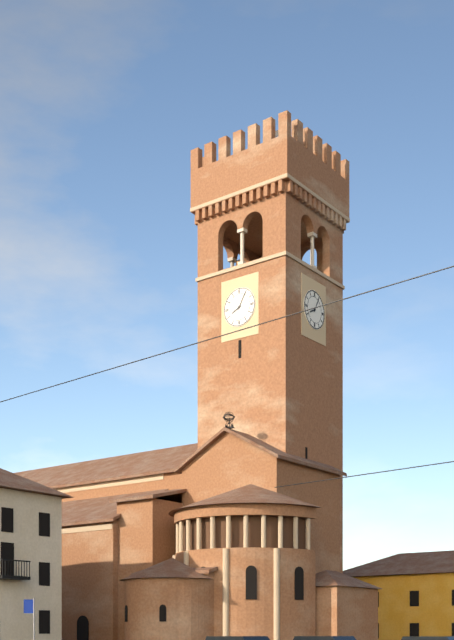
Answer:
8.05
